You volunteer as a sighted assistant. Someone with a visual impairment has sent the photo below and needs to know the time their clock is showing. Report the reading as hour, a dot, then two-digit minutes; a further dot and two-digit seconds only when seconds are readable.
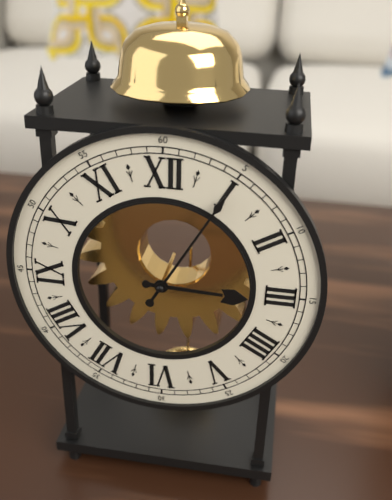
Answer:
3.05
